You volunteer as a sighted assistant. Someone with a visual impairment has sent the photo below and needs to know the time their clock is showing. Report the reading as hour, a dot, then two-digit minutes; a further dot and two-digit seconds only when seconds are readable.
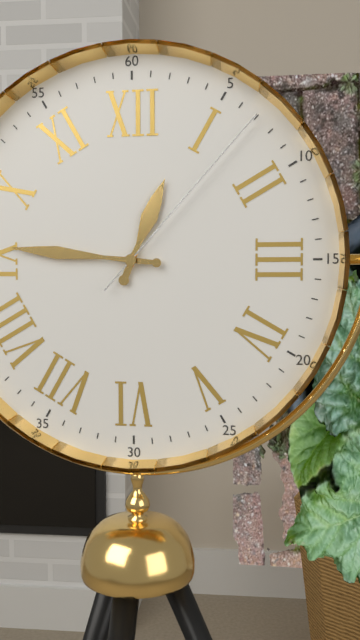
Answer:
12.46.07
